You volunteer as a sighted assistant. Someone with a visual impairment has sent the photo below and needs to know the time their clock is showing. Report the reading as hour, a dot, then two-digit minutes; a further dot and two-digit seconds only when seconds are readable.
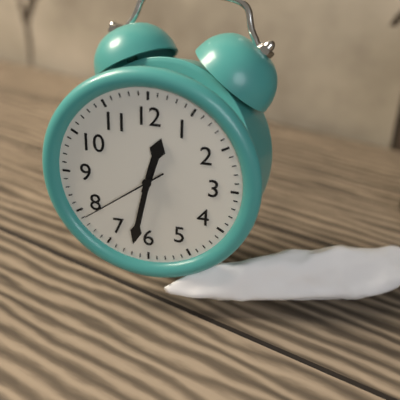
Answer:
12.32.39
